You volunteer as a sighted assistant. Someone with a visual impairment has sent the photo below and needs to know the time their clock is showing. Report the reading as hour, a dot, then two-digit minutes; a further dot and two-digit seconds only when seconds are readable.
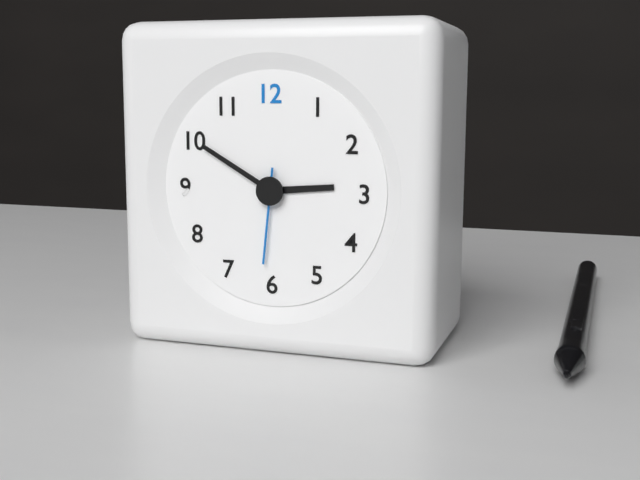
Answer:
2.50.31
